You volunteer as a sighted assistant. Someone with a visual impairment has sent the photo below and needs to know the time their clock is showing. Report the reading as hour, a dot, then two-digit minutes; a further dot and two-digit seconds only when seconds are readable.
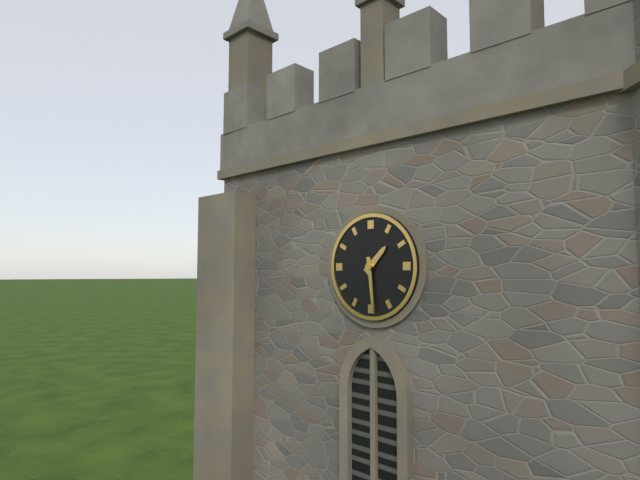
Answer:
1.29
